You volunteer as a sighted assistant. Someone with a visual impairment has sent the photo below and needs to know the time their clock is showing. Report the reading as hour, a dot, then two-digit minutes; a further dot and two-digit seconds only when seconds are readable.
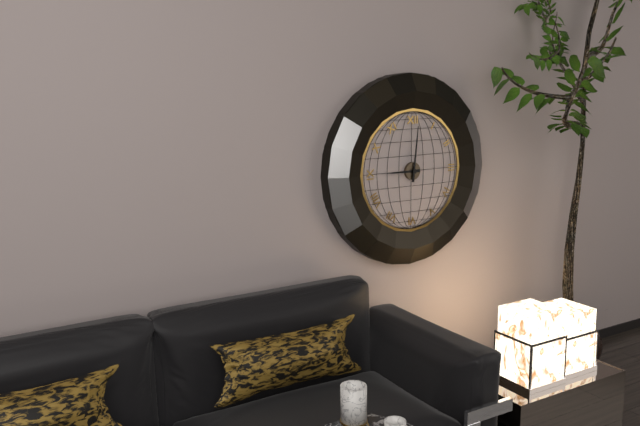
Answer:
9.01
